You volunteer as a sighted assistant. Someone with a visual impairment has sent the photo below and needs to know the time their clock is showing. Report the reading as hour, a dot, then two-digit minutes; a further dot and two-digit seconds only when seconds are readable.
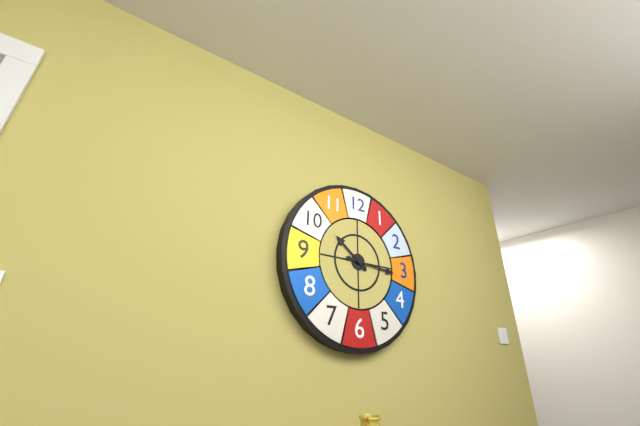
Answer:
10.16
